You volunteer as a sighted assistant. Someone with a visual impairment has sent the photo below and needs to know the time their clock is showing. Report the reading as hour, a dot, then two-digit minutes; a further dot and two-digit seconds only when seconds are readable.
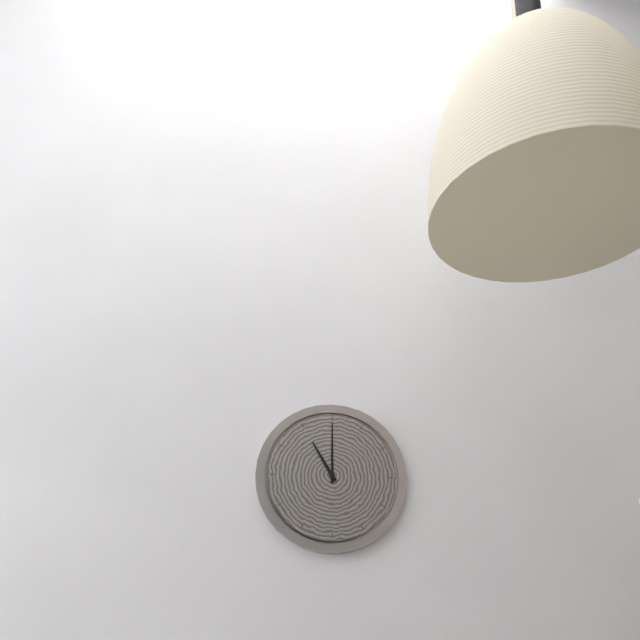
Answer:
11.00
